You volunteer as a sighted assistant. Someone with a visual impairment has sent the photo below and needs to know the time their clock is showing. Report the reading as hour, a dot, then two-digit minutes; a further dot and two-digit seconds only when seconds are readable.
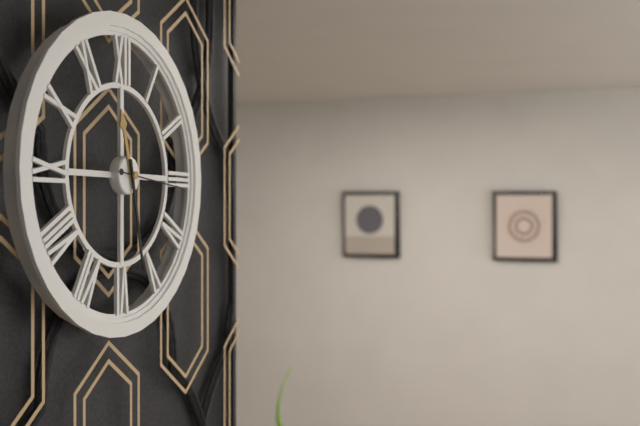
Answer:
11.28.16
